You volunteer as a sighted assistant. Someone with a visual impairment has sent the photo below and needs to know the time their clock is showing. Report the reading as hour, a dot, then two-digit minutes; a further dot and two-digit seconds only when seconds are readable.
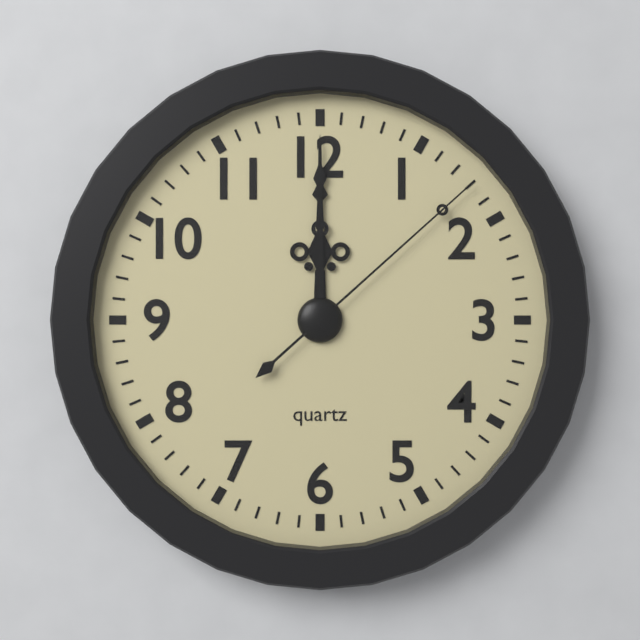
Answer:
12.00.08
